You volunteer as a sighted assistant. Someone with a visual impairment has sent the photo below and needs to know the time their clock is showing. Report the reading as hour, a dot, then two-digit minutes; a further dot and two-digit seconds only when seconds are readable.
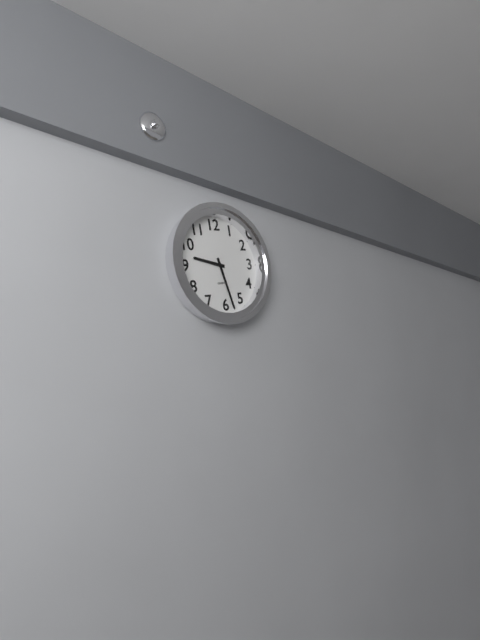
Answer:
9.28
